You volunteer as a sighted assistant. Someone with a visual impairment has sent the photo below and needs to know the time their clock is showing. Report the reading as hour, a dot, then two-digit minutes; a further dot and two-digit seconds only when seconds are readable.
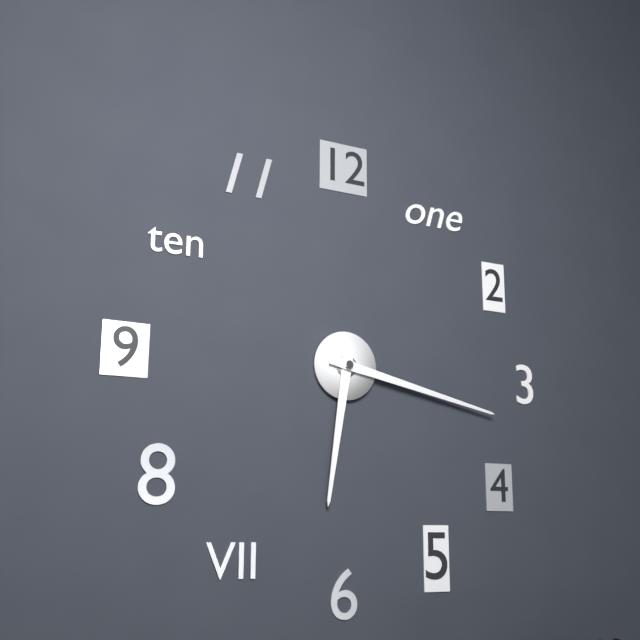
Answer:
6.17
